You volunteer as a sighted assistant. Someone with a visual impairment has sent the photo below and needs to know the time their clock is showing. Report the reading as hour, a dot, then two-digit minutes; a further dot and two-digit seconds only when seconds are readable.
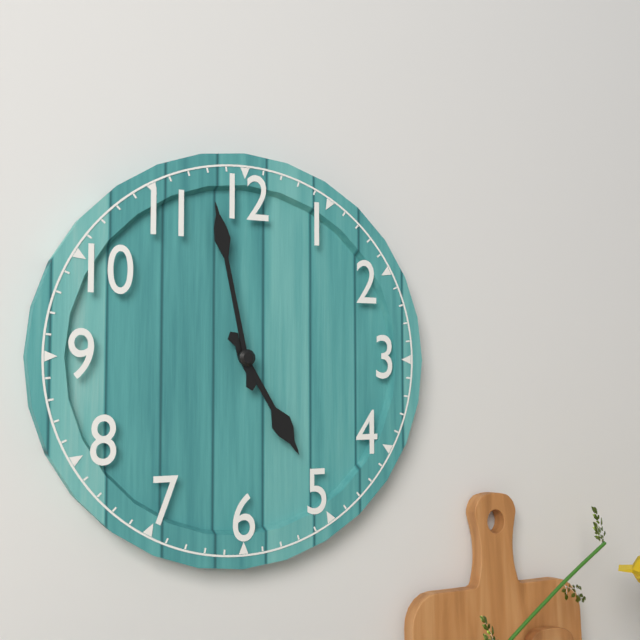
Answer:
4.58
